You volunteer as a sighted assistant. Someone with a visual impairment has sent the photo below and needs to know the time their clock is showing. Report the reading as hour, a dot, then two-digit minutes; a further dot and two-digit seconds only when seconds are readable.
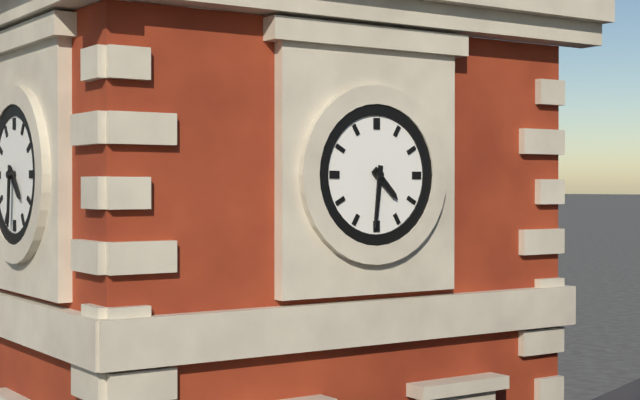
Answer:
4.31
